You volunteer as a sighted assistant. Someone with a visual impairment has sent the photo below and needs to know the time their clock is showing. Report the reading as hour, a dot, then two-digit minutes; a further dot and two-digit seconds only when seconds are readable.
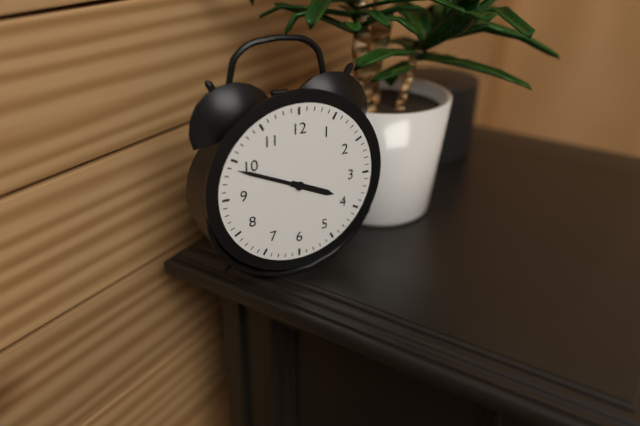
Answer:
3.49
